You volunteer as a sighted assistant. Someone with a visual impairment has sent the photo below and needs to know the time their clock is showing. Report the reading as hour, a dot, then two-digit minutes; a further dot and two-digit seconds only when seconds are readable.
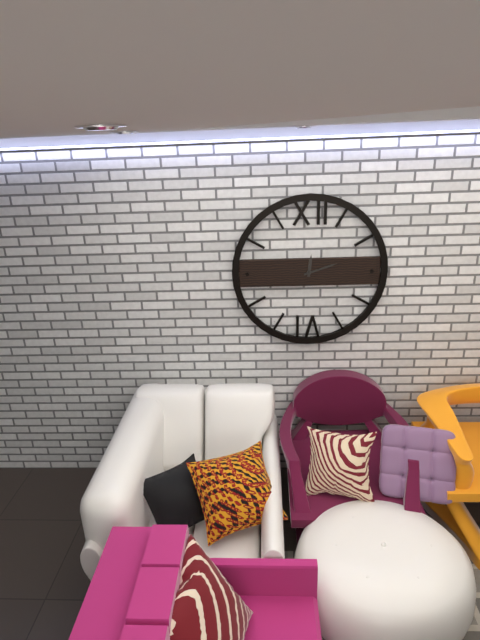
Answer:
12.12
